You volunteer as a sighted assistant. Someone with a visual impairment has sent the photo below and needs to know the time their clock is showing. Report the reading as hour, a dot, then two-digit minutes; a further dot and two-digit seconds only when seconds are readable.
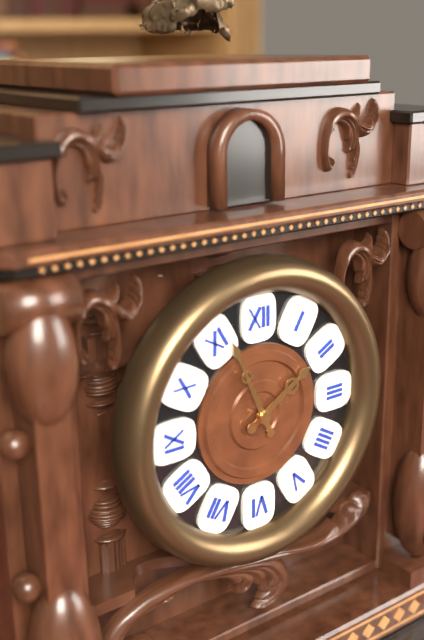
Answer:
1.56
